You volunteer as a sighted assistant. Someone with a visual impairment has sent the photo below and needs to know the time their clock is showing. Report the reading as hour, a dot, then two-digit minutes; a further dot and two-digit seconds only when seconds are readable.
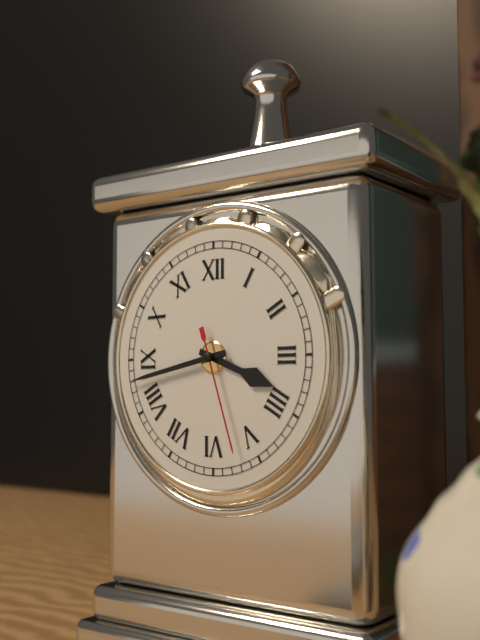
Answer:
3.43.27
